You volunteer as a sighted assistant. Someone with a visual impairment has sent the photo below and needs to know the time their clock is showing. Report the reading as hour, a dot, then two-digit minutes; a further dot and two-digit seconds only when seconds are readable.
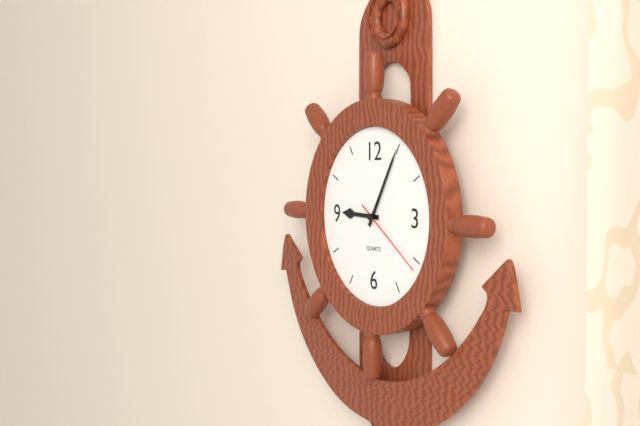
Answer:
9.05.21
